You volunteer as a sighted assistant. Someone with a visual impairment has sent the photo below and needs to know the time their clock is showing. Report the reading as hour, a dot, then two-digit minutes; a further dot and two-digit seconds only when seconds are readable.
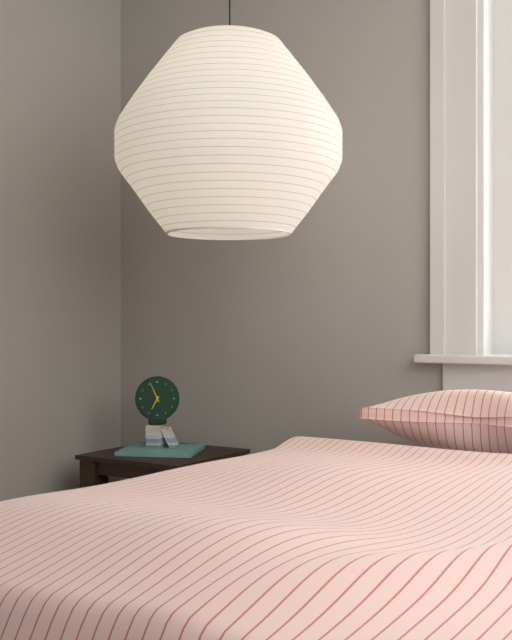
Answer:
6.56
